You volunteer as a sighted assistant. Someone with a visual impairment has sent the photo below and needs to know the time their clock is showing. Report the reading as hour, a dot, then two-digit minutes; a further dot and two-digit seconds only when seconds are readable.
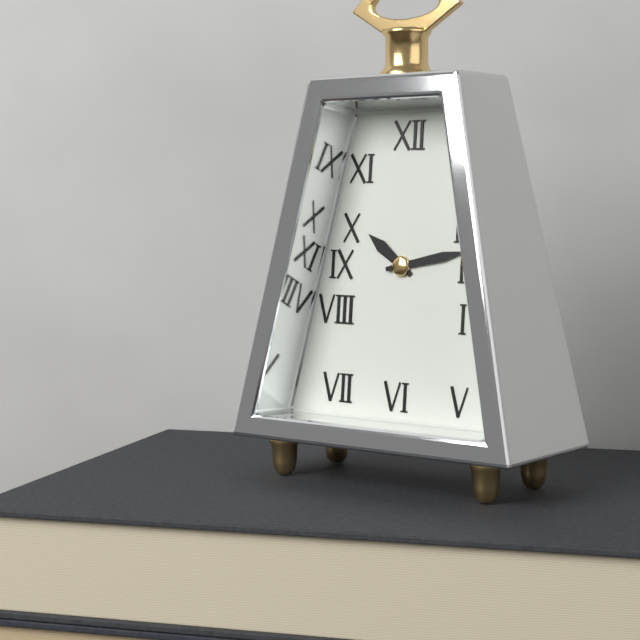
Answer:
10.13
